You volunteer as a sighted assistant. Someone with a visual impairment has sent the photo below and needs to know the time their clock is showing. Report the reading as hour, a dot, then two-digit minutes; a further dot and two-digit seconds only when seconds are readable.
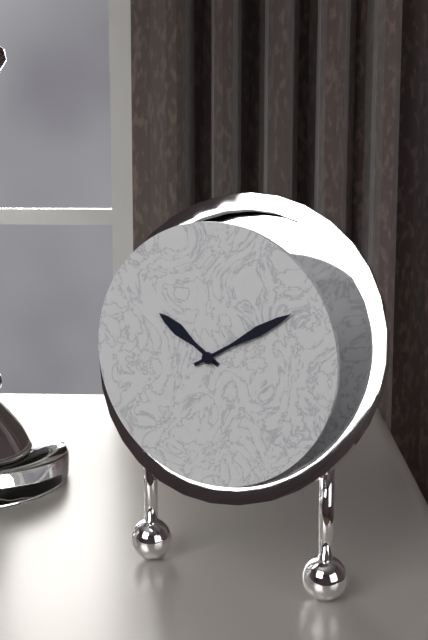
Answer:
10.10
